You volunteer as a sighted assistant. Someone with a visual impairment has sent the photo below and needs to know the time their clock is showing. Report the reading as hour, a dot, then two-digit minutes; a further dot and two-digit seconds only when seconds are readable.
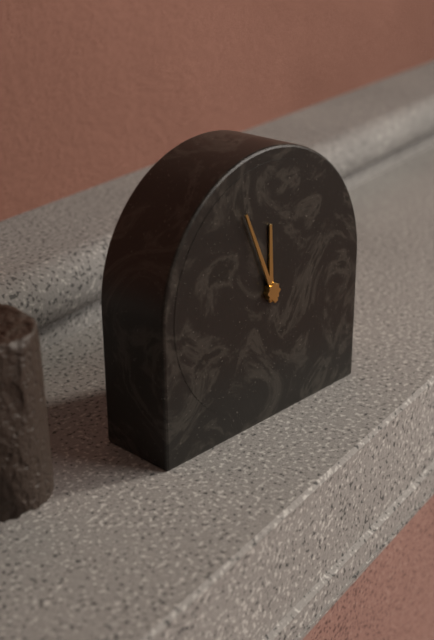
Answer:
11.56
